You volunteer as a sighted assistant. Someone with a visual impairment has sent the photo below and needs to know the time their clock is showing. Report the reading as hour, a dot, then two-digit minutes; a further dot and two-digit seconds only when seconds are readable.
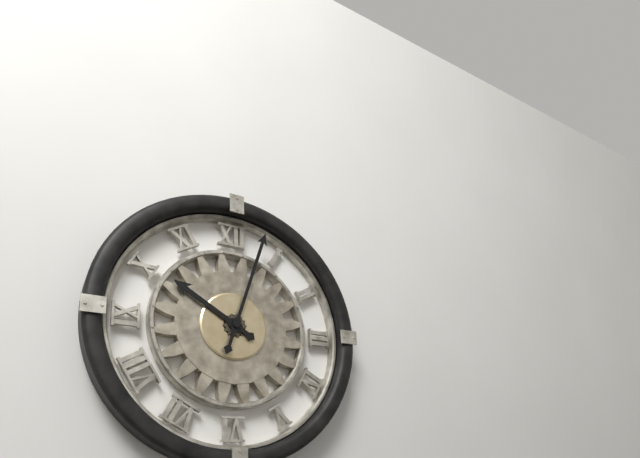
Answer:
10.03
